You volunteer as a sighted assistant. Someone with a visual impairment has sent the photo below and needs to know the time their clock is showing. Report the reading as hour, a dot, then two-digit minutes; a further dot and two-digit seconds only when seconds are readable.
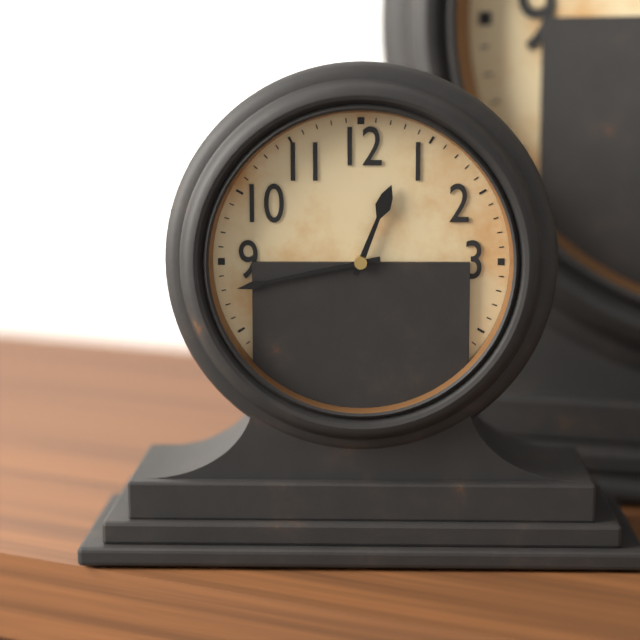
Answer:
12.43
